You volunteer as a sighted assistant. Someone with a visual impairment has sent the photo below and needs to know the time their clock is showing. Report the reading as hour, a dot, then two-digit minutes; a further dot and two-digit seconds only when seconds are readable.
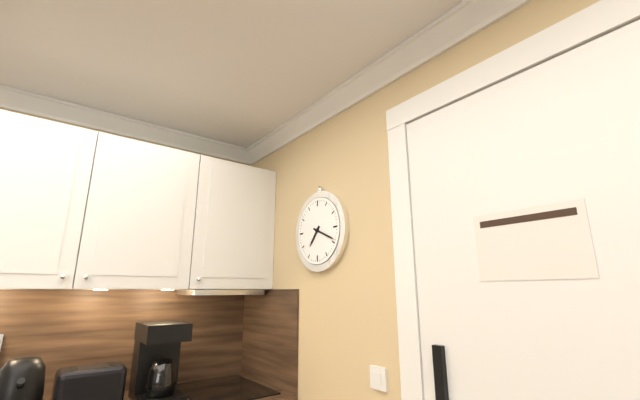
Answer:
7.19
